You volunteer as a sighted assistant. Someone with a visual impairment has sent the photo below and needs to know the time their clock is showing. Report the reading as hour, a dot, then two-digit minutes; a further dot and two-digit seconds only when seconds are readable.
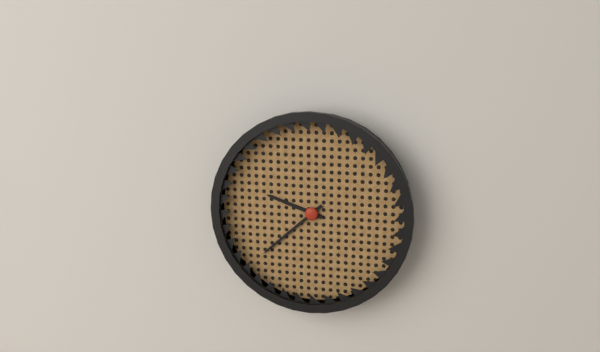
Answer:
9.38
